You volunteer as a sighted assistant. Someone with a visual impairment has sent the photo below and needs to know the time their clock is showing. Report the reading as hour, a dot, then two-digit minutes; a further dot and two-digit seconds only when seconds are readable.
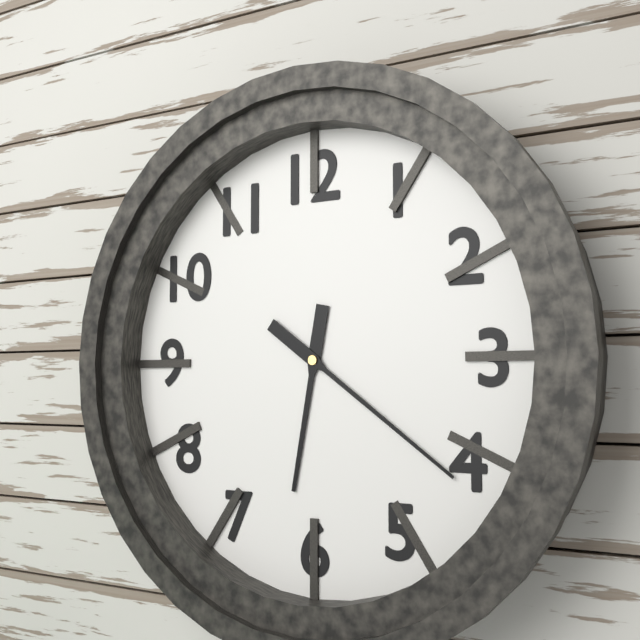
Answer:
6.21
